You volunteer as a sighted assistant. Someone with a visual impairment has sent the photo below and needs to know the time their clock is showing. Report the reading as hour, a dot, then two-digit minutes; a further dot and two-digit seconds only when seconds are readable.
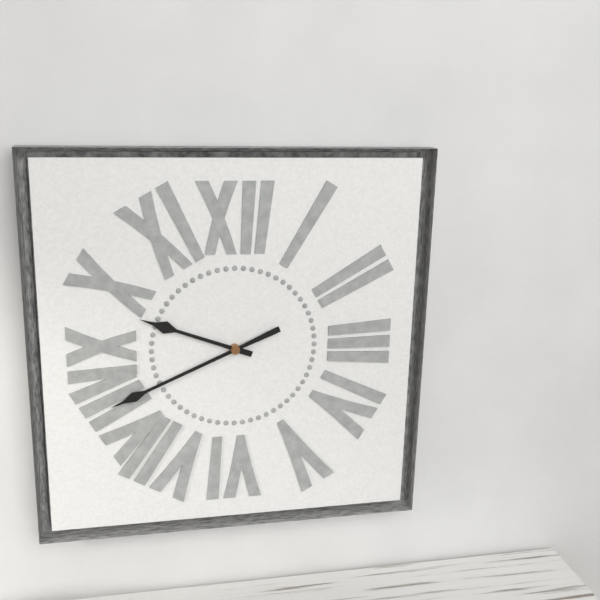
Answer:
9.41
